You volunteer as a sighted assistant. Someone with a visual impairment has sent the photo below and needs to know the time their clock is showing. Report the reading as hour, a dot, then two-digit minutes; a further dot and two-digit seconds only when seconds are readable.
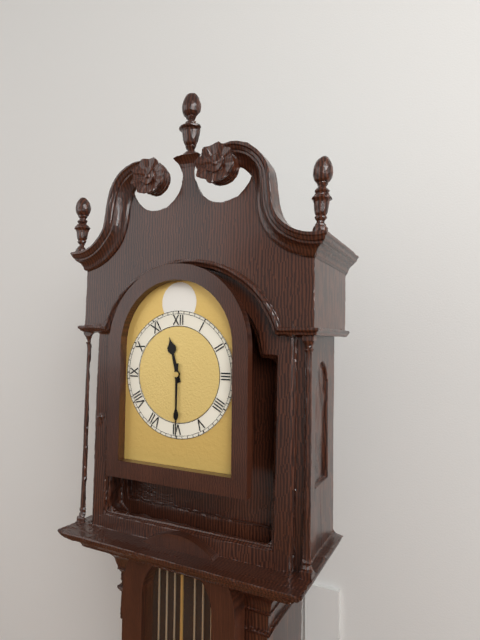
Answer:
11.30
